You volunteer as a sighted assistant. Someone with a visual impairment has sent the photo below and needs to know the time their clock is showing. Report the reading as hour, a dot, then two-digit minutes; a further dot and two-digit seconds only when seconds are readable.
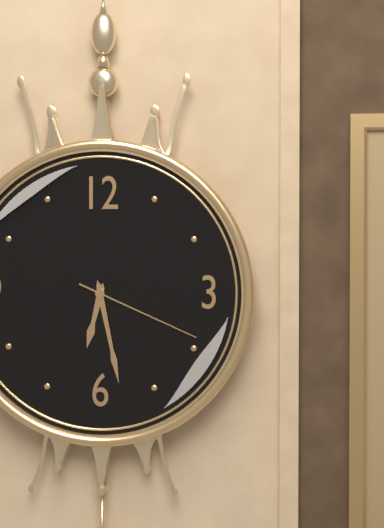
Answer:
6.28.19
